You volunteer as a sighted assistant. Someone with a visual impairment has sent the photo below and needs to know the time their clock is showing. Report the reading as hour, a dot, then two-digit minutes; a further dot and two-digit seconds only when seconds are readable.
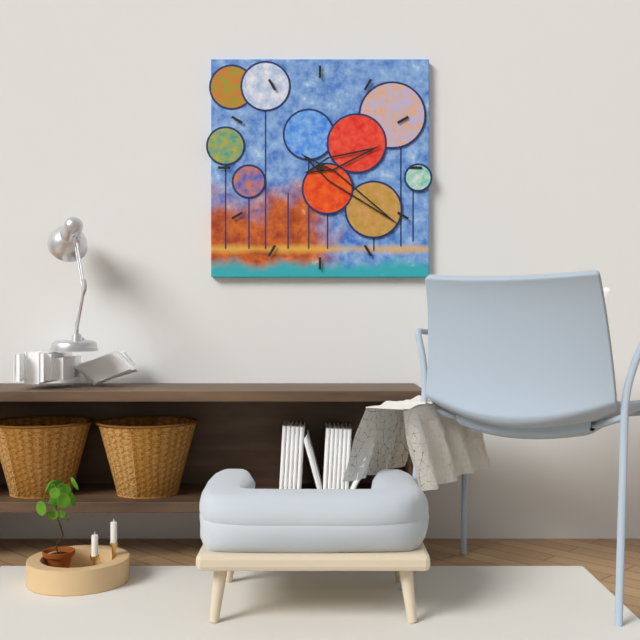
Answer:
2.21
